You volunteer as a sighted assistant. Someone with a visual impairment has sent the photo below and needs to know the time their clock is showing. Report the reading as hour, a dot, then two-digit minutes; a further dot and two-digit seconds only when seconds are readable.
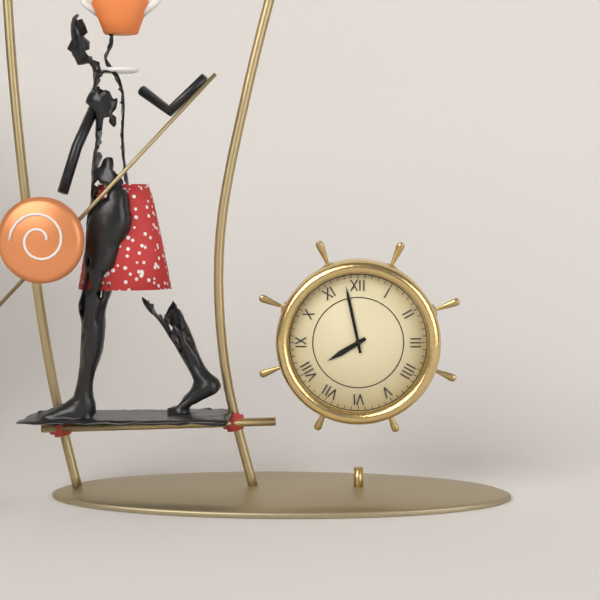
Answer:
7.58
